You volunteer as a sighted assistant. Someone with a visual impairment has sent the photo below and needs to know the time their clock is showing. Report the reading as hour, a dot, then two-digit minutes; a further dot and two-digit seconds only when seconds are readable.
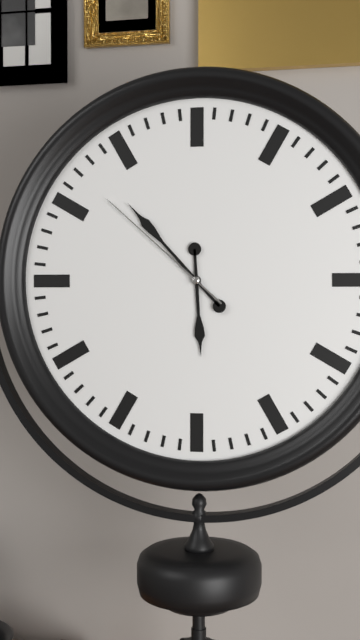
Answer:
5.53.52
